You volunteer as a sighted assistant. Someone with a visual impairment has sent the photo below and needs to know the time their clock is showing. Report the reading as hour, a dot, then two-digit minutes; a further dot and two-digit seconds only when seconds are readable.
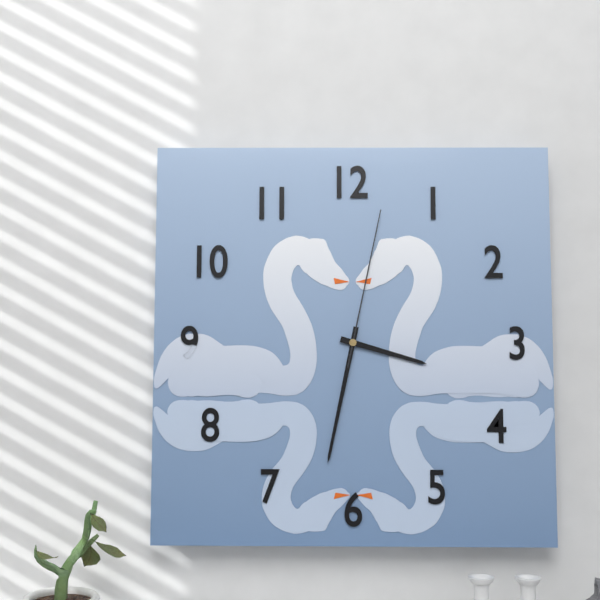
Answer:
3.32.02
